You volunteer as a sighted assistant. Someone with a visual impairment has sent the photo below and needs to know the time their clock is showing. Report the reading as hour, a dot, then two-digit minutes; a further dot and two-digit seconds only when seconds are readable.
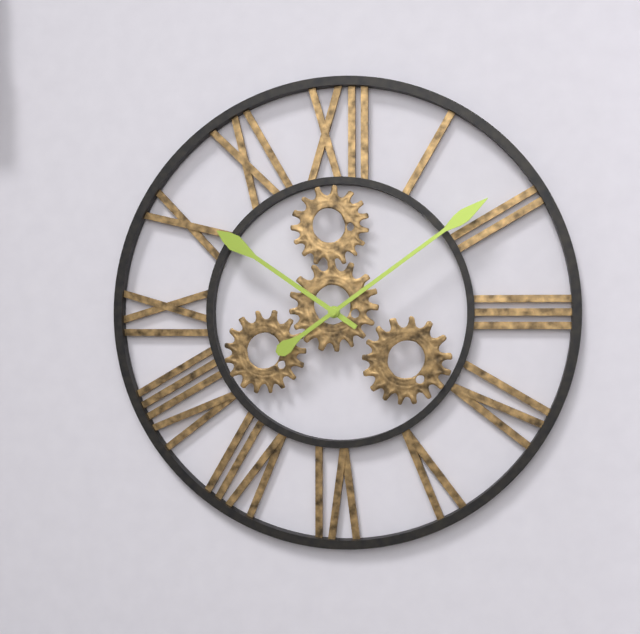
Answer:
10.09
